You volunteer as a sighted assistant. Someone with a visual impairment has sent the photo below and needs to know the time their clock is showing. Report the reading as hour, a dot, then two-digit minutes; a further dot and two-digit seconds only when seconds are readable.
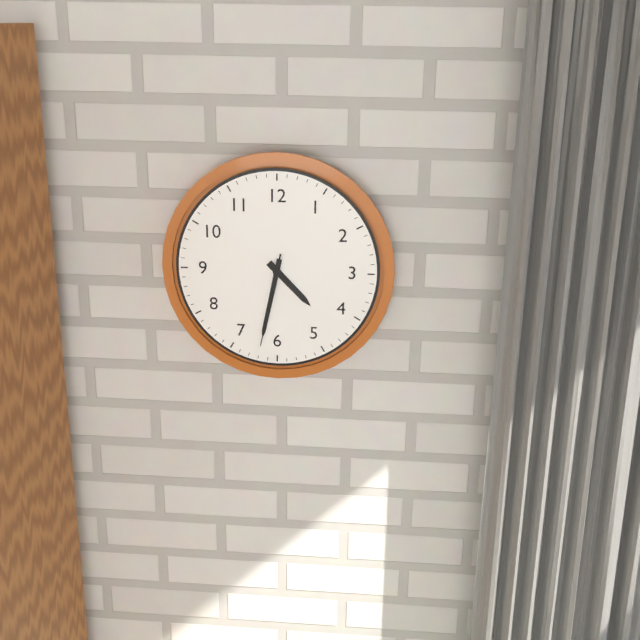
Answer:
4.32.32
